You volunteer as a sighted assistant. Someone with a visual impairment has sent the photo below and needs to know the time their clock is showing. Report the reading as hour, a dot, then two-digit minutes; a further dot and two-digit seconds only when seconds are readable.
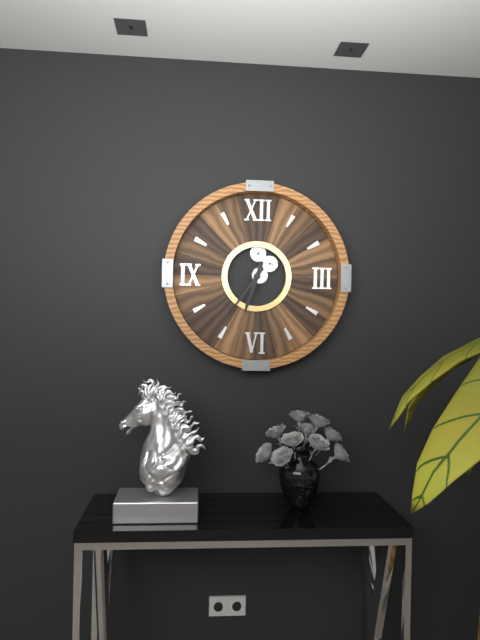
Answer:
6.36
